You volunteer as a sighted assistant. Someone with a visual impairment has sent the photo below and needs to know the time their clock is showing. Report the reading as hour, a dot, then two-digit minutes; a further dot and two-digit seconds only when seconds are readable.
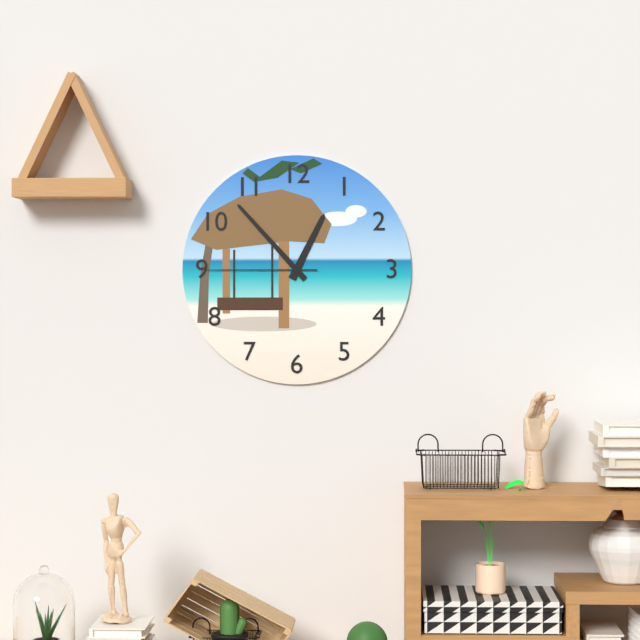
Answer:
12.53.45
